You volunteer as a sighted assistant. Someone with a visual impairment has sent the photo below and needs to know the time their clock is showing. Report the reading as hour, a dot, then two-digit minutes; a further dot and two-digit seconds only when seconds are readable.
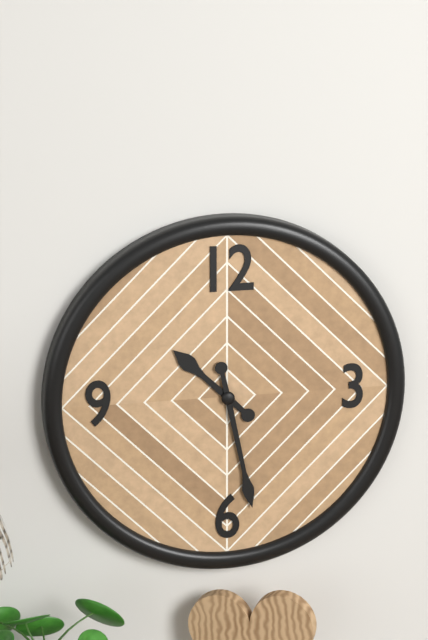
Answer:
10.28
